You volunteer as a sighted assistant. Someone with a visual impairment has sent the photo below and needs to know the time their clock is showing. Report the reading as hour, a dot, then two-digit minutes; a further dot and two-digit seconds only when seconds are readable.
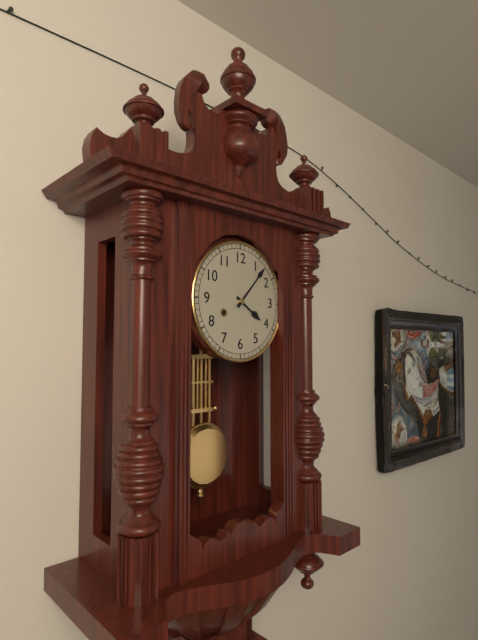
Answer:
4.07
